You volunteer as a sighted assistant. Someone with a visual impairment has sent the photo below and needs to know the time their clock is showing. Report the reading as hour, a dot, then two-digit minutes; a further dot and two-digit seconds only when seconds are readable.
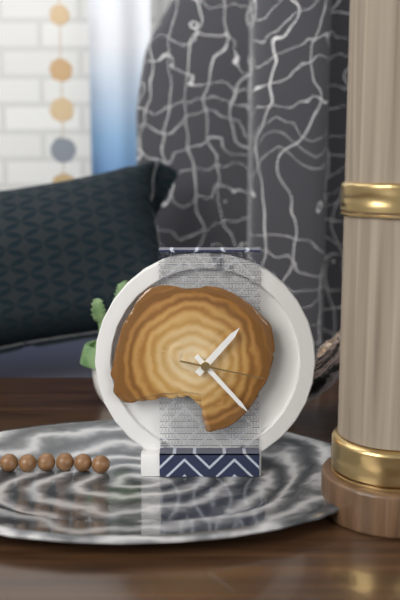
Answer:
1.23.17
